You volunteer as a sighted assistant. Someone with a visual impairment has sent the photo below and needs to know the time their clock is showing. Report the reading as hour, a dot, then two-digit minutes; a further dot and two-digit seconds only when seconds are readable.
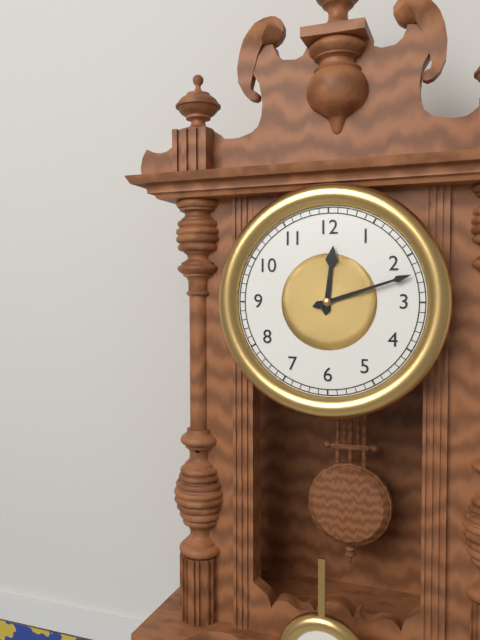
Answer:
12.12
